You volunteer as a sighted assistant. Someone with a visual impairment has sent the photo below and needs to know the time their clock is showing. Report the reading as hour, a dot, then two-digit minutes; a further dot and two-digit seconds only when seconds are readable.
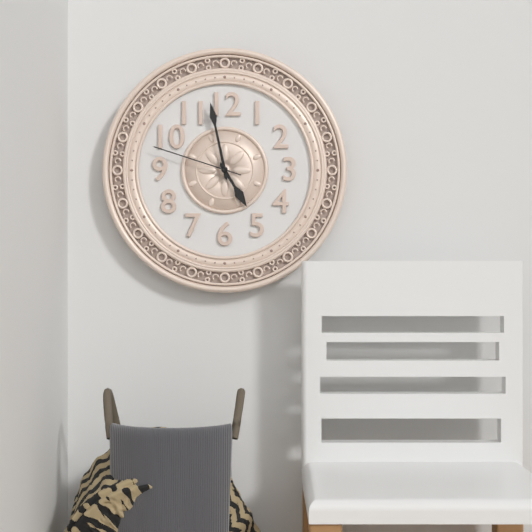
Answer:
4.58.48
